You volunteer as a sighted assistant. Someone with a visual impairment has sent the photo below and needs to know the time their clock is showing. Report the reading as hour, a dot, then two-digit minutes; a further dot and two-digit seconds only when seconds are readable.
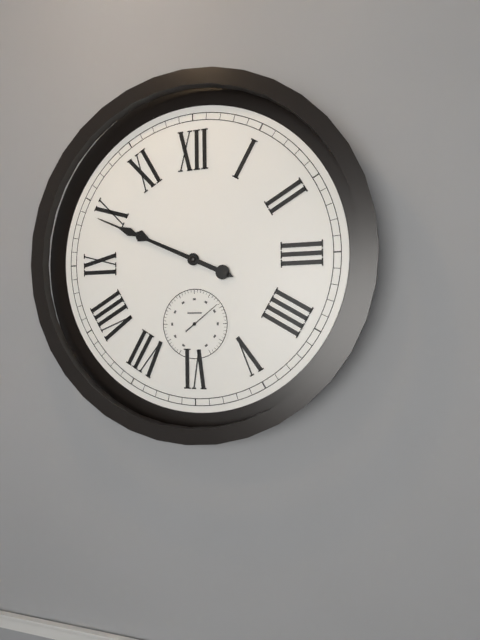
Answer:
9.49
